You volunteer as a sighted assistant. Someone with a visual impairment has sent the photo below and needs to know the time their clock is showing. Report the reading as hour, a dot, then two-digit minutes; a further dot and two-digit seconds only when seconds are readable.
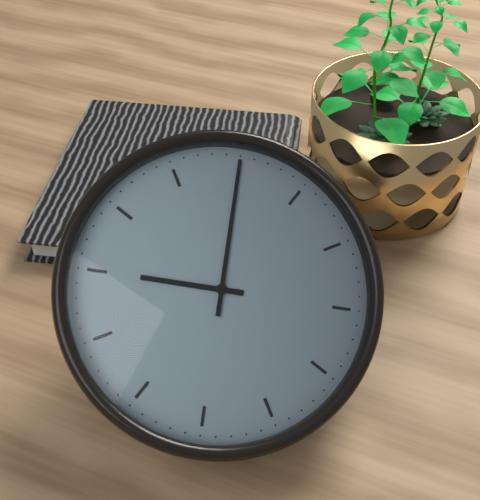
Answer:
9.00
